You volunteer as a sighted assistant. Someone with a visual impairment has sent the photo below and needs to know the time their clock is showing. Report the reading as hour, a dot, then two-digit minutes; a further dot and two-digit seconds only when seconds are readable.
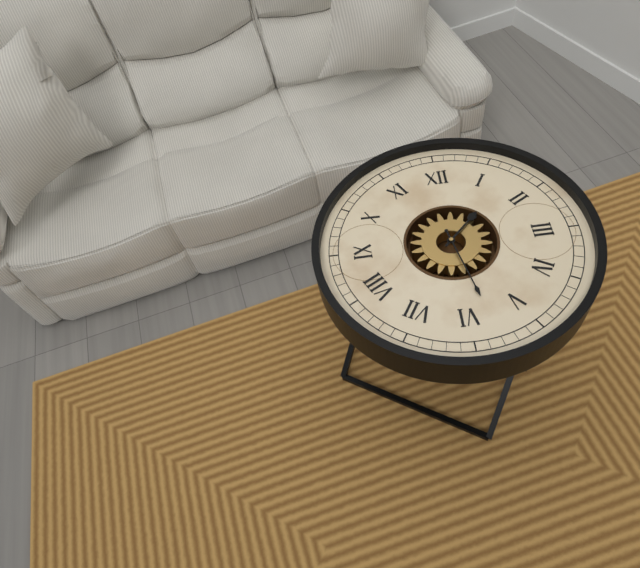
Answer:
1.28
